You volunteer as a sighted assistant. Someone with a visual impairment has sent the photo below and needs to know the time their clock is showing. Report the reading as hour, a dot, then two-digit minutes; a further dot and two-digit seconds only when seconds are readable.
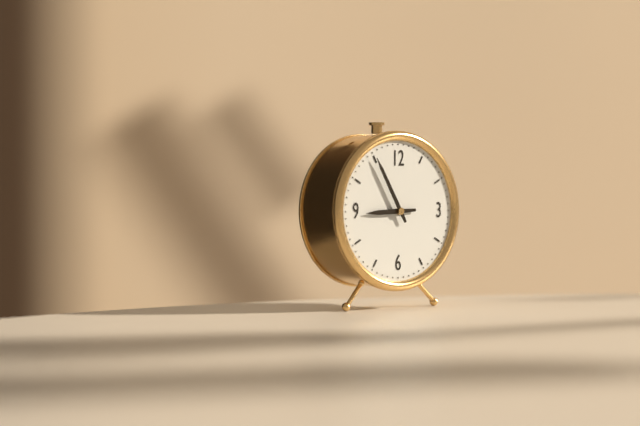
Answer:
8.55
